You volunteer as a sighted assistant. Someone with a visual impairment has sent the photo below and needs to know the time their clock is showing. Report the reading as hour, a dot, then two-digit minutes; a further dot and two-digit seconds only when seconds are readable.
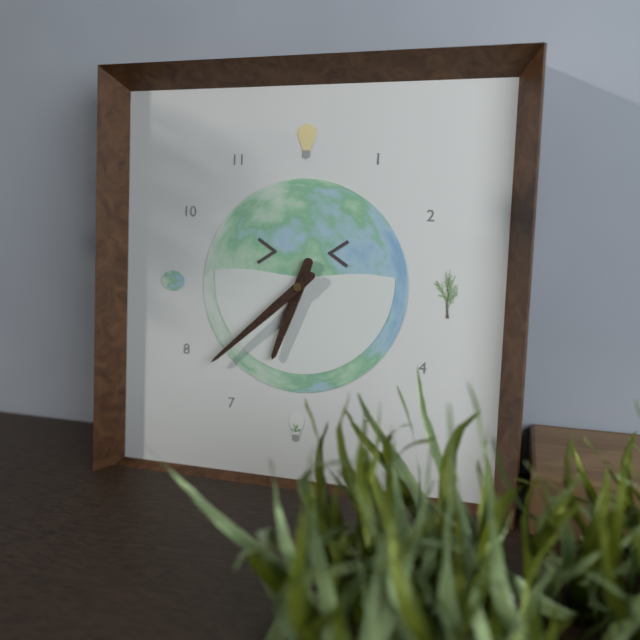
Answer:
6.38
